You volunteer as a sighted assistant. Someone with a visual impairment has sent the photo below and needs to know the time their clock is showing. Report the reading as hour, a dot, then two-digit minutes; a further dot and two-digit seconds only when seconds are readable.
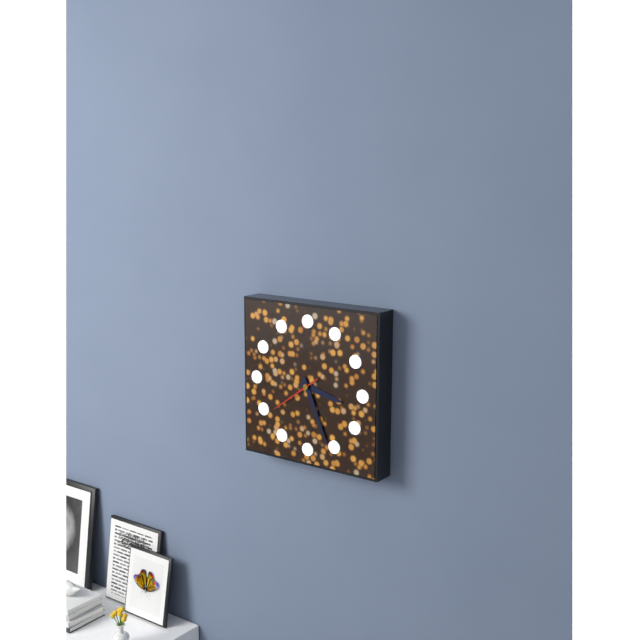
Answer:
3.26.39
